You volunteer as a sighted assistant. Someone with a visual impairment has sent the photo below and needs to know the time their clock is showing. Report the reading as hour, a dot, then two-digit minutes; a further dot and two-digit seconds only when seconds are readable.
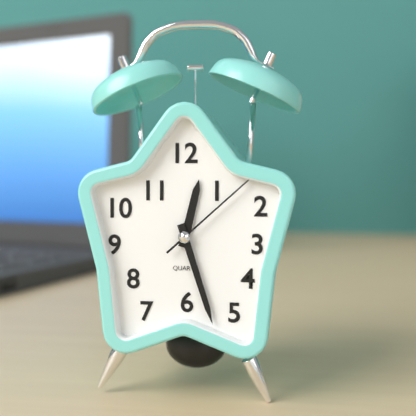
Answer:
12.27.08
